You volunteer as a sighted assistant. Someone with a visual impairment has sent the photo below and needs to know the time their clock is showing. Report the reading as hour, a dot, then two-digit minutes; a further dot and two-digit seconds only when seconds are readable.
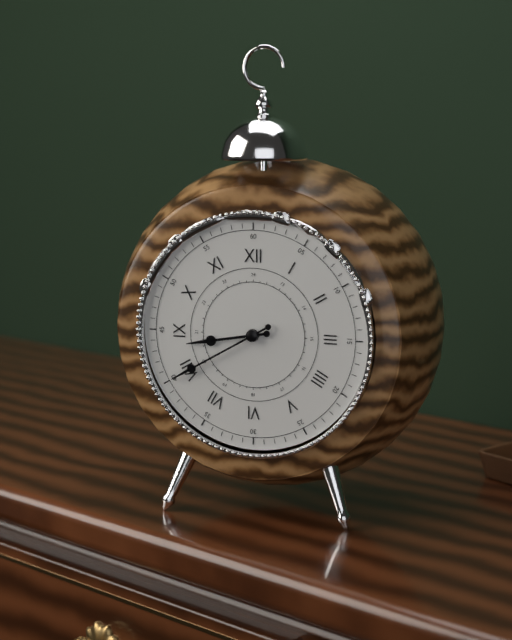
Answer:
8.40
